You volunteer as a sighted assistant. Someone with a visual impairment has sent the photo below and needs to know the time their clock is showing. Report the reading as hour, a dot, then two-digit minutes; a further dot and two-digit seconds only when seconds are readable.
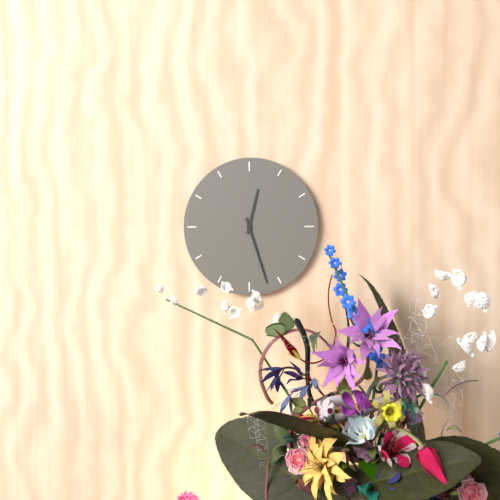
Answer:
12.27
